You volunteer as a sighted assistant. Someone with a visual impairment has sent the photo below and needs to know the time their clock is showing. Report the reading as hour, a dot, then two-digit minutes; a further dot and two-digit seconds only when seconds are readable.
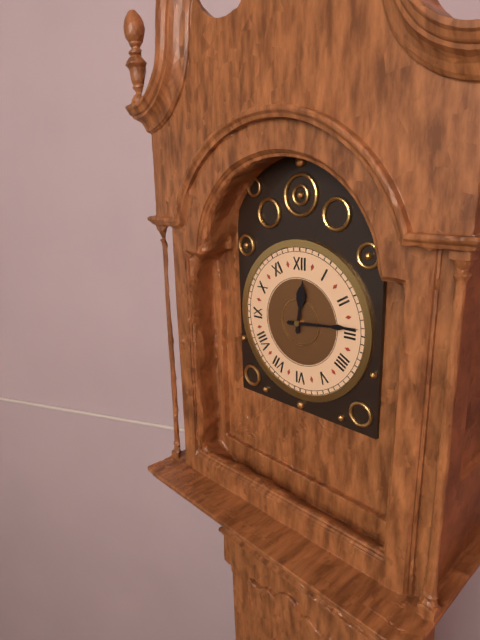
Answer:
12.14
